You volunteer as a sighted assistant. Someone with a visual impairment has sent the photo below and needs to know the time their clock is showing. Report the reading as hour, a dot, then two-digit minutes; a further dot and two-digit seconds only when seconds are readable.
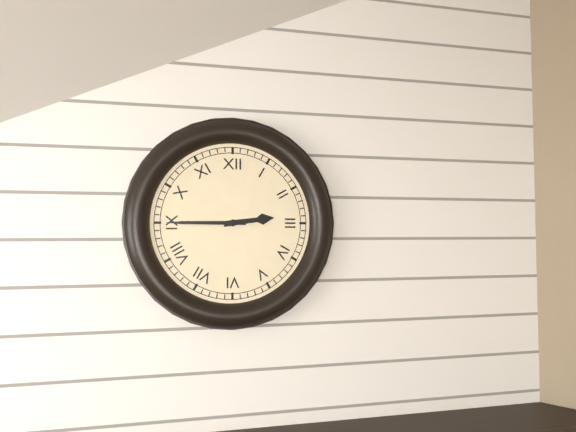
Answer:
2.45
